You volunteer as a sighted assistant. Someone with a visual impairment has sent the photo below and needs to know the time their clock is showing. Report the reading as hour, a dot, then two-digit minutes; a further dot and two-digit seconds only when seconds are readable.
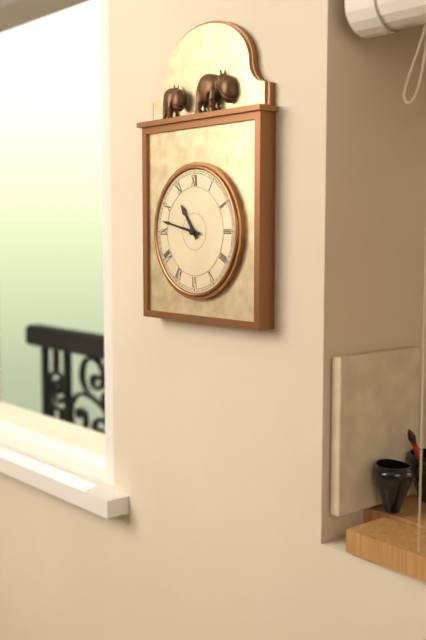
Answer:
10.47
